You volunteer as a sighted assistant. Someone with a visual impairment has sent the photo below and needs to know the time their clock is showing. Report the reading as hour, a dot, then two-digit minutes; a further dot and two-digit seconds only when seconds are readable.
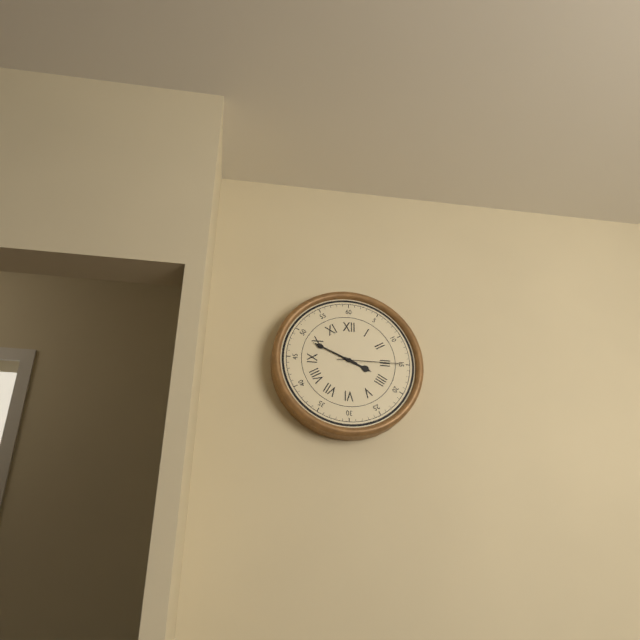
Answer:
3.49.15
